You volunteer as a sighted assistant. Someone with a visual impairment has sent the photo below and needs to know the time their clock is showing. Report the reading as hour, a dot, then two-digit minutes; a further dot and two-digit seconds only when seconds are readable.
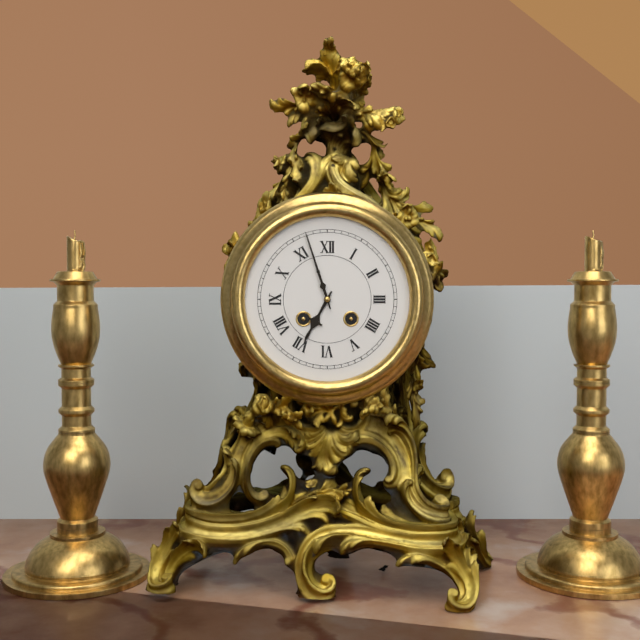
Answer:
6.57
